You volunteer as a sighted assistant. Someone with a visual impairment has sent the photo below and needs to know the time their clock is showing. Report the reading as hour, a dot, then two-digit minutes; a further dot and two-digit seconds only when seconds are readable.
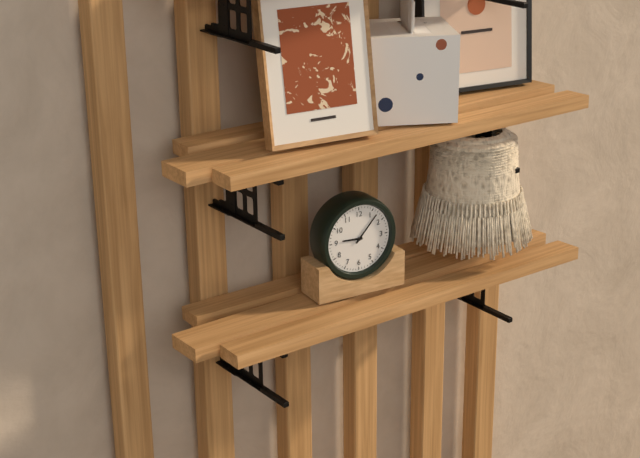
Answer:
9.07
